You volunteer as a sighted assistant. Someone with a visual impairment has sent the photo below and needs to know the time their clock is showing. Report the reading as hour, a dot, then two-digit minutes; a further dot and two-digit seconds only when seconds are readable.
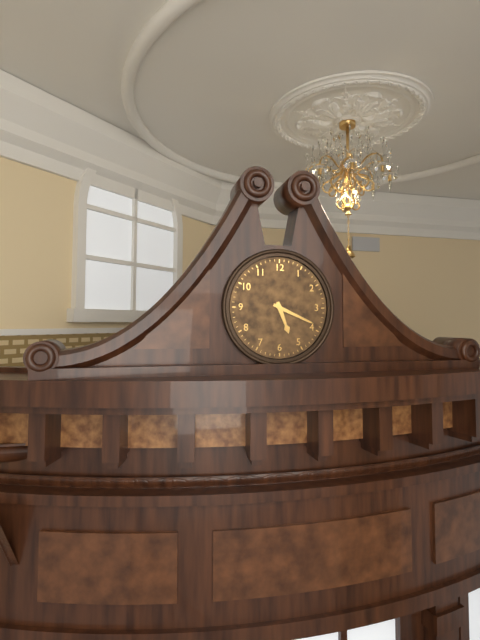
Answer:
5.19
